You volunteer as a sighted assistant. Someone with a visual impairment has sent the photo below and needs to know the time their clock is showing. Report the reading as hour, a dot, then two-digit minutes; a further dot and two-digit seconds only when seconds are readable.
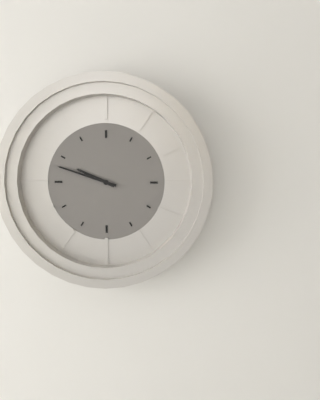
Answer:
9.48
